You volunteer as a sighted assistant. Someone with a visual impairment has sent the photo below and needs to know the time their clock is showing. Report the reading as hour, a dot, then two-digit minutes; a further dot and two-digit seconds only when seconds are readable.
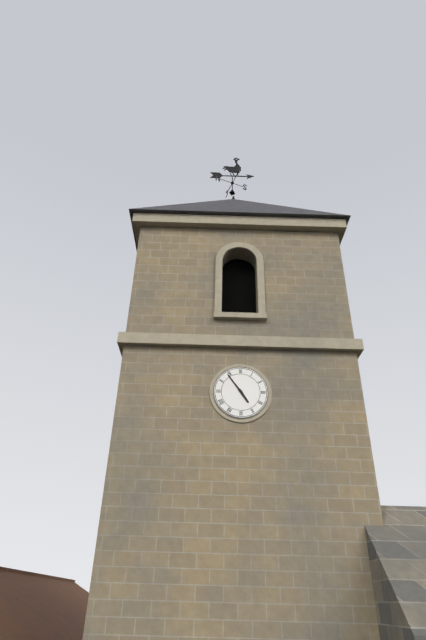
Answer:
4.54
